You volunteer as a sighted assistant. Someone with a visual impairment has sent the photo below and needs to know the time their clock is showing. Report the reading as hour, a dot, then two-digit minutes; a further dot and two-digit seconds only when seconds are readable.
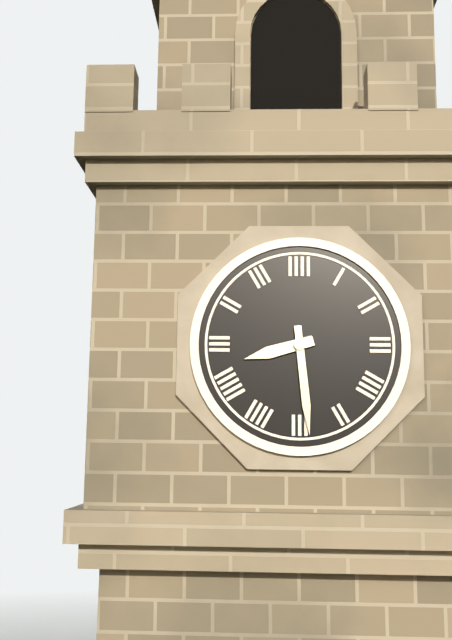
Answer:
8.29
